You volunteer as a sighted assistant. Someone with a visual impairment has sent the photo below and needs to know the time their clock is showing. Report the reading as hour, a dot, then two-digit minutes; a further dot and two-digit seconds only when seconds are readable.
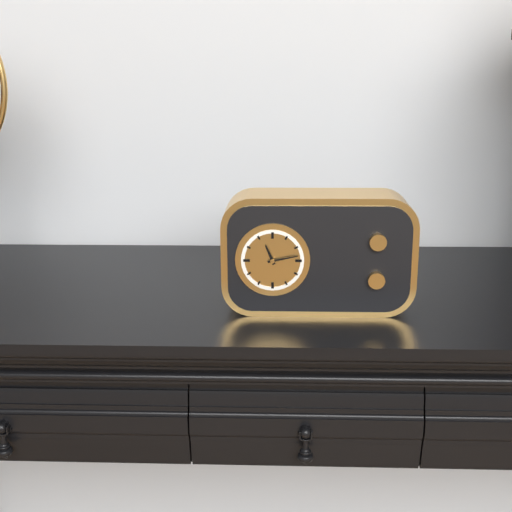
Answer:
11.13
